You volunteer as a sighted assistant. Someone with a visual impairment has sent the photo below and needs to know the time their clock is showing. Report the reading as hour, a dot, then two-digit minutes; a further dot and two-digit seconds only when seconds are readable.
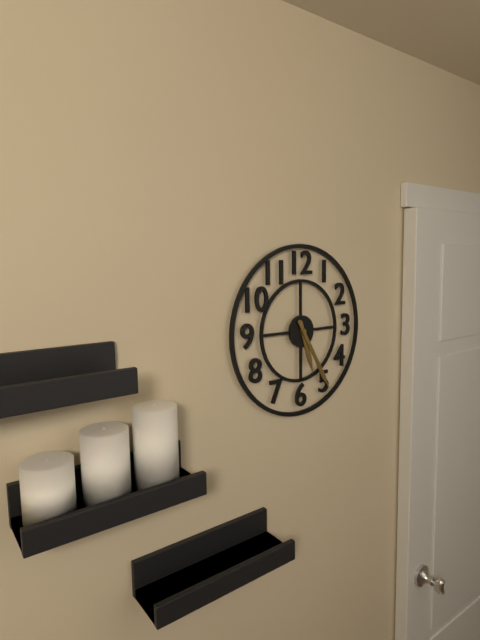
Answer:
5.25
